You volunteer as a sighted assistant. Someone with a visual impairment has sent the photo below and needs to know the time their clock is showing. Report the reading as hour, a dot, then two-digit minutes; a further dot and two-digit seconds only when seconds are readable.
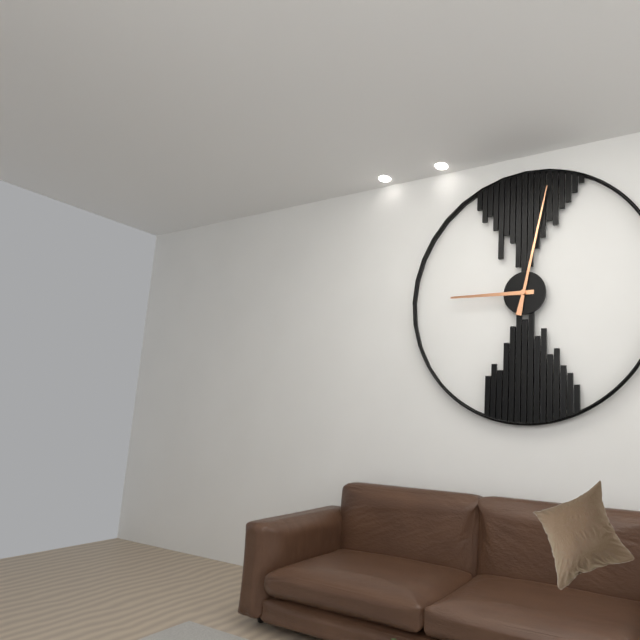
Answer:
9.02
